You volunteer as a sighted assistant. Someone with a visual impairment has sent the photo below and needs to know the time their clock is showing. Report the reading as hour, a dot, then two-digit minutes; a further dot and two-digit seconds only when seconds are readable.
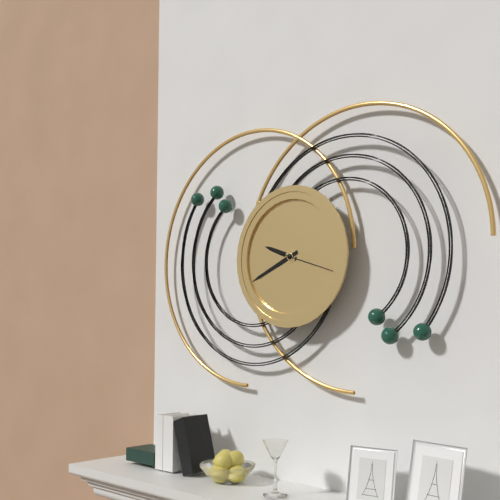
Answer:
9.41.18
